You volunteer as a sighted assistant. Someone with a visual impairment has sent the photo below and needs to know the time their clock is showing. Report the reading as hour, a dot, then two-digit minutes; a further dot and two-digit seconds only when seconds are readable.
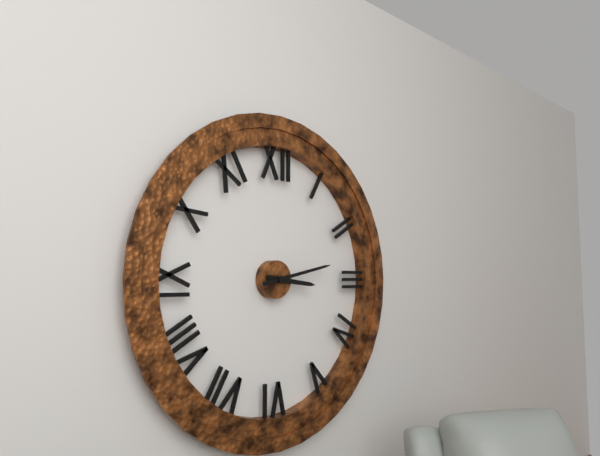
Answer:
3.13
